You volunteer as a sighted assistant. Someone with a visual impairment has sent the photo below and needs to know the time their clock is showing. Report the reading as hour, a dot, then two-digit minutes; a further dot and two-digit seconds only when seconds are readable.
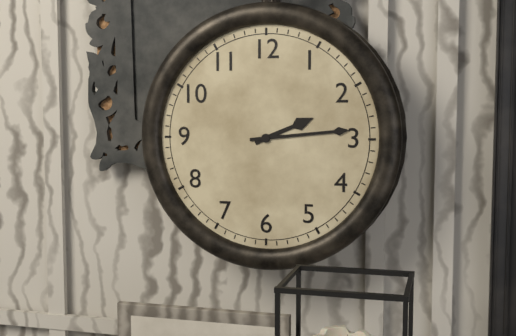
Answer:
2.14
